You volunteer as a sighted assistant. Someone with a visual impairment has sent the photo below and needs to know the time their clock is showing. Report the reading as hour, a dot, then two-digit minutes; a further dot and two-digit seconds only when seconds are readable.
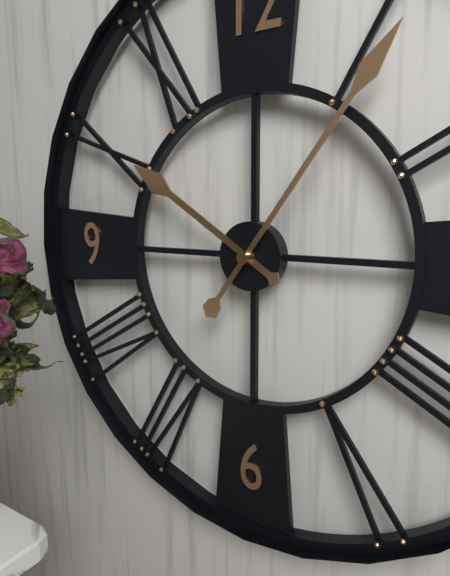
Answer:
10.06
